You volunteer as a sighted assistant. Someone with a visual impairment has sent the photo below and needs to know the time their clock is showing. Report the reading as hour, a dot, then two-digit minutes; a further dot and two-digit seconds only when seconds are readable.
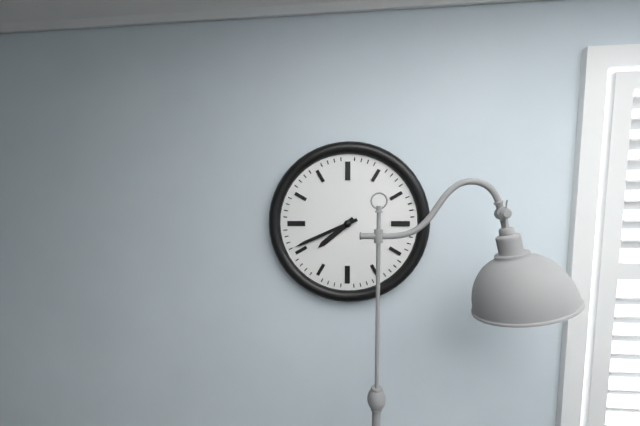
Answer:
7.41
